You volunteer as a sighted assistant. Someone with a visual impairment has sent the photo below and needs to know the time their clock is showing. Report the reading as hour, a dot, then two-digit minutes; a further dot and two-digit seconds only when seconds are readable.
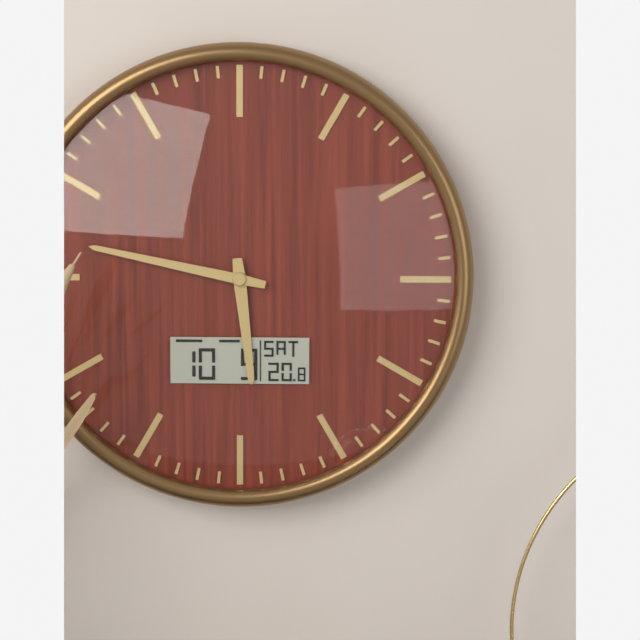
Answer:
5.47
